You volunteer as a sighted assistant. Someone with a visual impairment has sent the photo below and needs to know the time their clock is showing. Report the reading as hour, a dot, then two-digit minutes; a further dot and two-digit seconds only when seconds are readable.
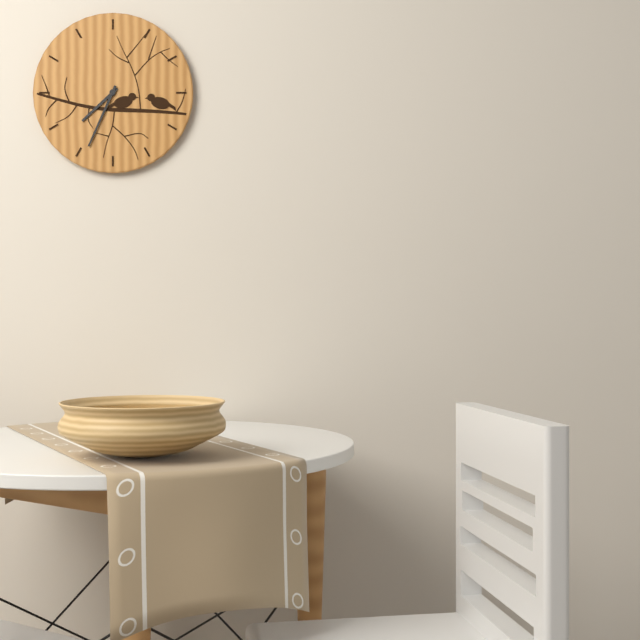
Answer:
7.34
